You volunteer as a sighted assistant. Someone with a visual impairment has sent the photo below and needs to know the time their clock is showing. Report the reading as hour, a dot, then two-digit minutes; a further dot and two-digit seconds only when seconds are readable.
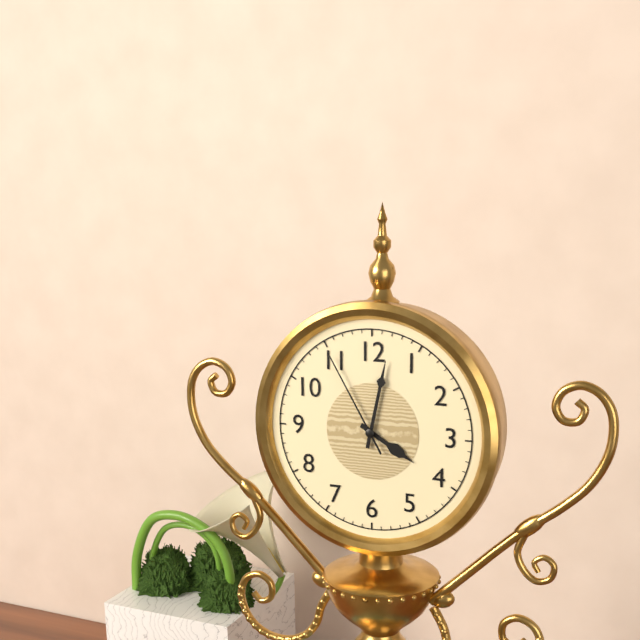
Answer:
4.02.55
